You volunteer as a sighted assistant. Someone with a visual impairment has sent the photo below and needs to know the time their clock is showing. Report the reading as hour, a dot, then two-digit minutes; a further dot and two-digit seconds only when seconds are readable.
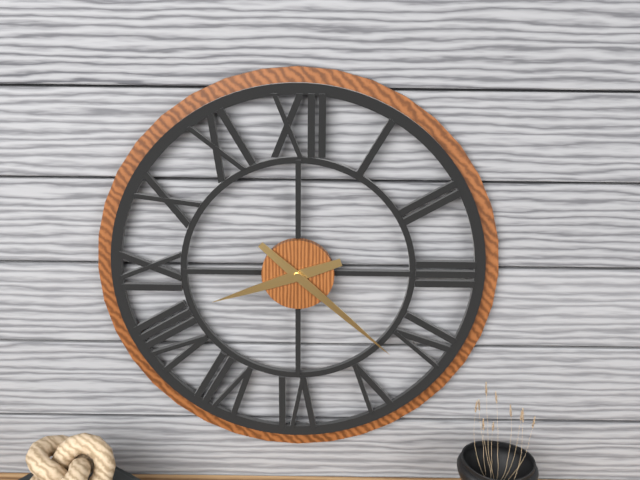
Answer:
8.22
